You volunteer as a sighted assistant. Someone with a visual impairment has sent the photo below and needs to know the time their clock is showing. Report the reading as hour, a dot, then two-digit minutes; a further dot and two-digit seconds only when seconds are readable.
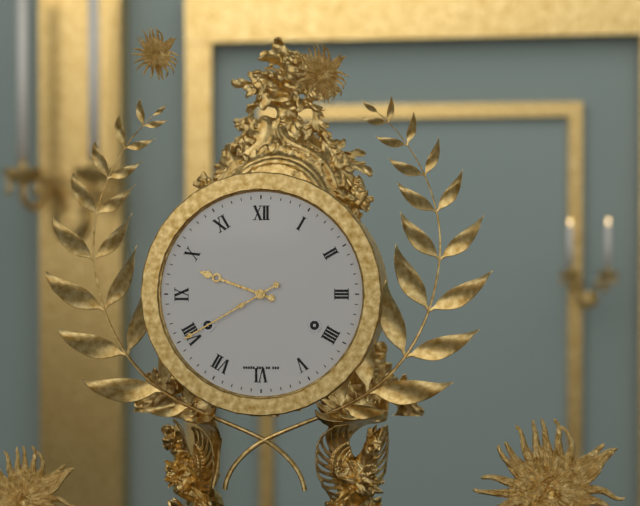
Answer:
9.40
